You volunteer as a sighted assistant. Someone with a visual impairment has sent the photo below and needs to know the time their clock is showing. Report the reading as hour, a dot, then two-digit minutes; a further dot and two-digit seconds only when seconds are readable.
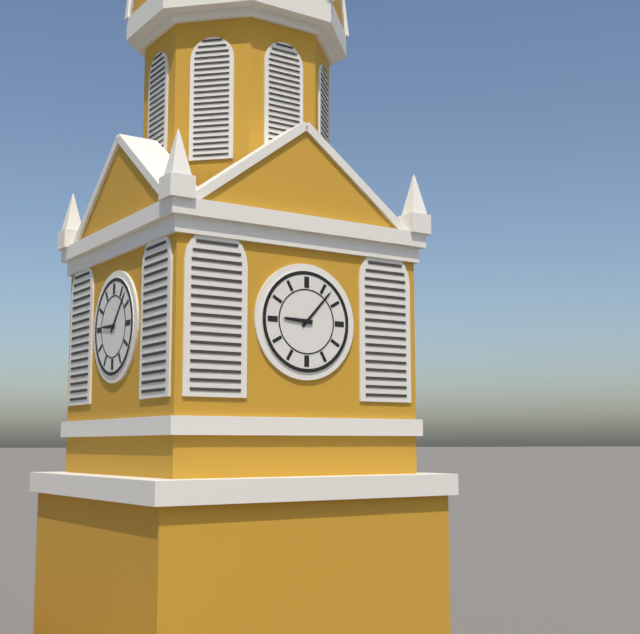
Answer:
9.07
